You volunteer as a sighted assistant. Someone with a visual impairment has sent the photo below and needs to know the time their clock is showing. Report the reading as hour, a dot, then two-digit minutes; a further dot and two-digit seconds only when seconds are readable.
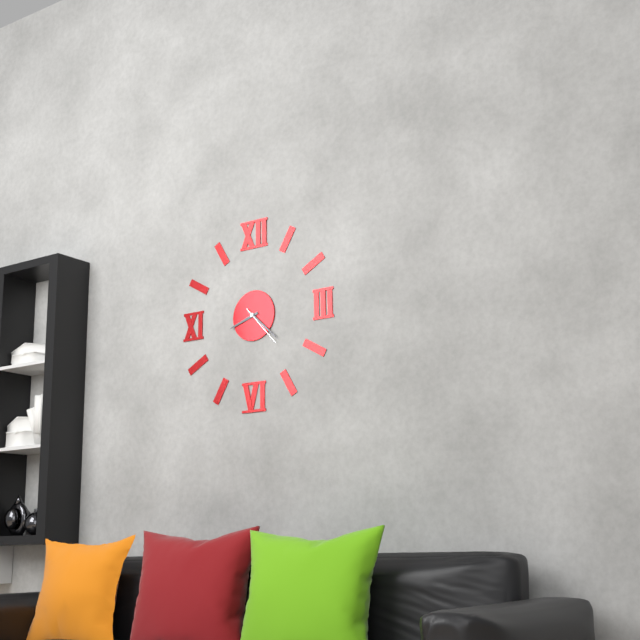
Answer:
8.22
